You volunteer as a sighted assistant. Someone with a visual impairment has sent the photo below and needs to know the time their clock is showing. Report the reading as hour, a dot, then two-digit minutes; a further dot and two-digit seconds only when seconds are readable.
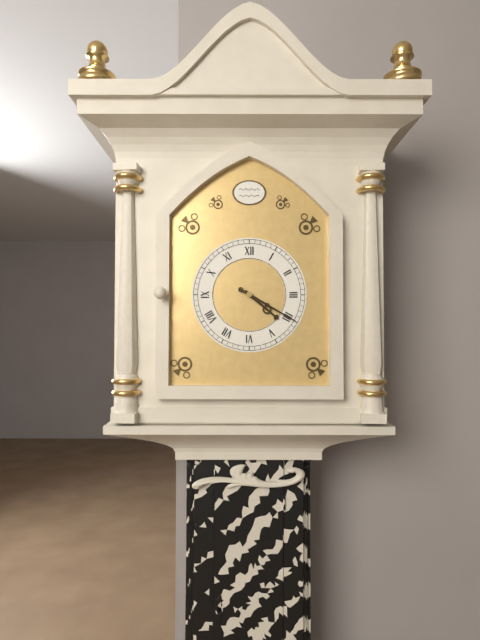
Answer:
4.20
